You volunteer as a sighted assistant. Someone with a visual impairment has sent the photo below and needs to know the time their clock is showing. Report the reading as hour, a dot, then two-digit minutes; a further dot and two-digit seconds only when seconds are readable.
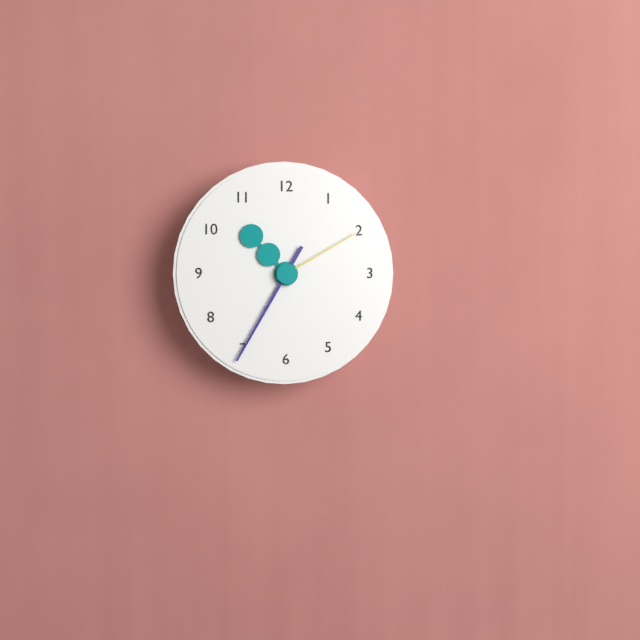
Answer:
10.35.10
